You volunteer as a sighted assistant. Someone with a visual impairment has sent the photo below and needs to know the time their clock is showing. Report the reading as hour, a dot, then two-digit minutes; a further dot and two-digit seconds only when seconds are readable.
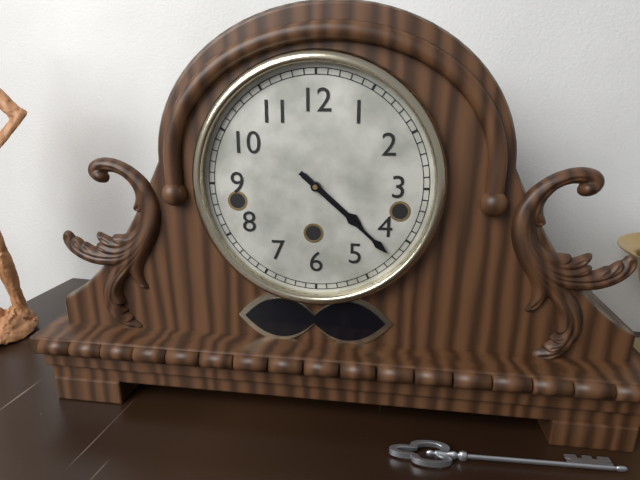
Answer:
4.22
